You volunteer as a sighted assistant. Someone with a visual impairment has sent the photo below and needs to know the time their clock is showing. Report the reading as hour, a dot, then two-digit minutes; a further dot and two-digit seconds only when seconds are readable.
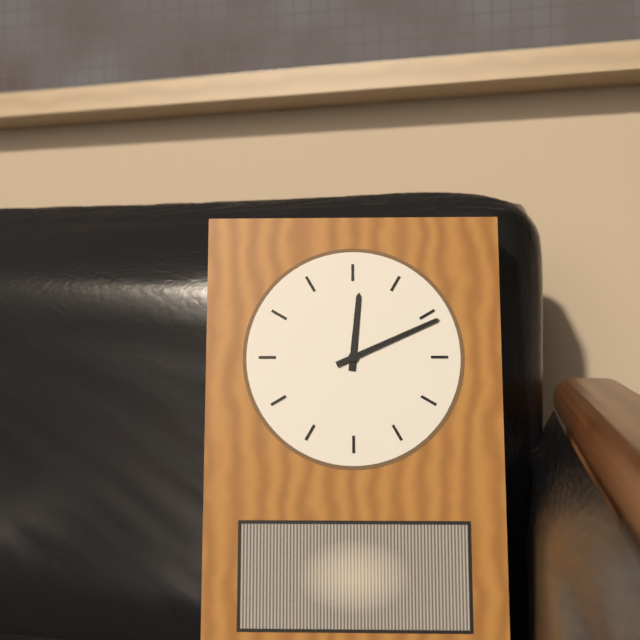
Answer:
12.11
